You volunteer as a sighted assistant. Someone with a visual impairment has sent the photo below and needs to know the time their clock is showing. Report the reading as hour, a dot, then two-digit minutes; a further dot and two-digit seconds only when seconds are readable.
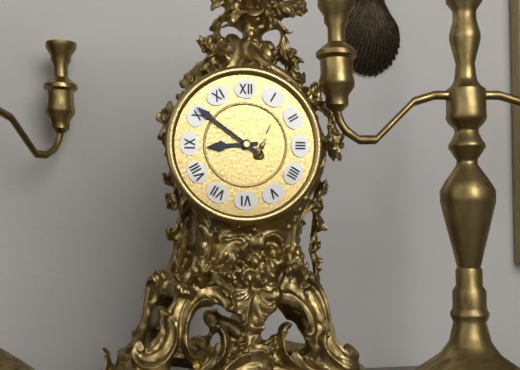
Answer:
8.51
